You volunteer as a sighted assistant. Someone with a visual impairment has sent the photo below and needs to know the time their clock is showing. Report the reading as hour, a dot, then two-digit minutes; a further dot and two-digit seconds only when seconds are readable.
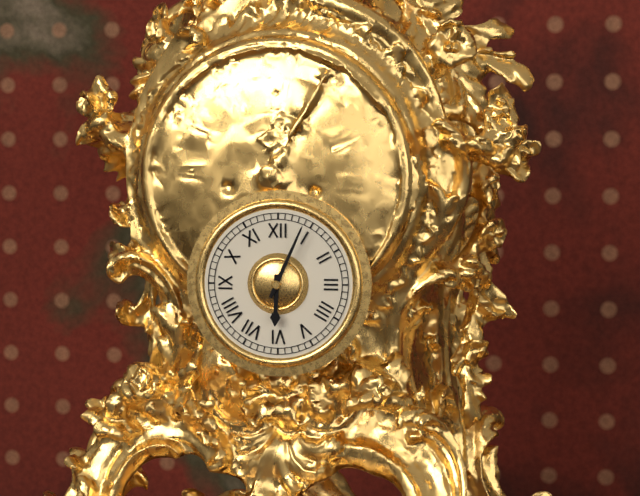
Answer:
6.04
